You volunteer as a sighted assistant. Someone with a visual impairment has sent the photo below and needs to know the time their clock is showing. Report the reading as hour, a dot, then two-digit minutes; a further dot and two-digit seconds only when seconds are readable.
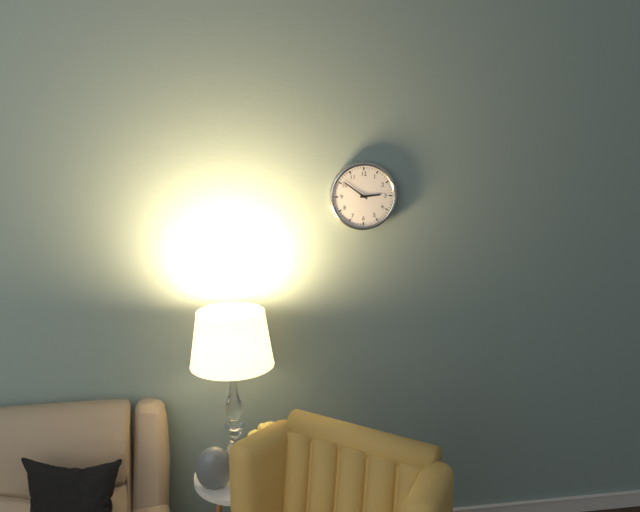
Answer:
2.51
